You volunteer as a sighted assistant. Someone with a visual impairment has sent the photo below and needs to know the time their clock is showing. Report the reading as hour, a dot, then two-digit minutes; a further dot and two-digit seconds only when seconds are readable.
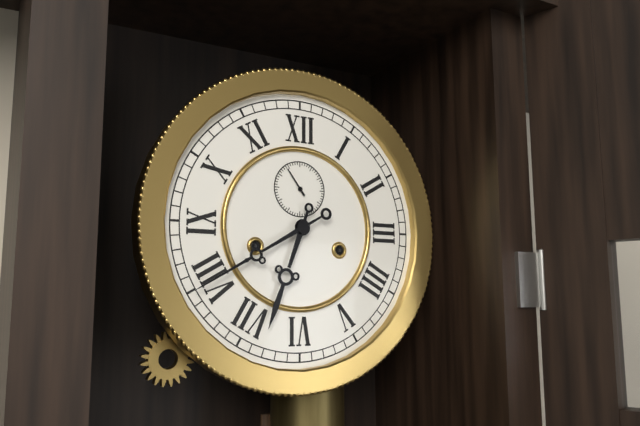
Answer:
6.40
